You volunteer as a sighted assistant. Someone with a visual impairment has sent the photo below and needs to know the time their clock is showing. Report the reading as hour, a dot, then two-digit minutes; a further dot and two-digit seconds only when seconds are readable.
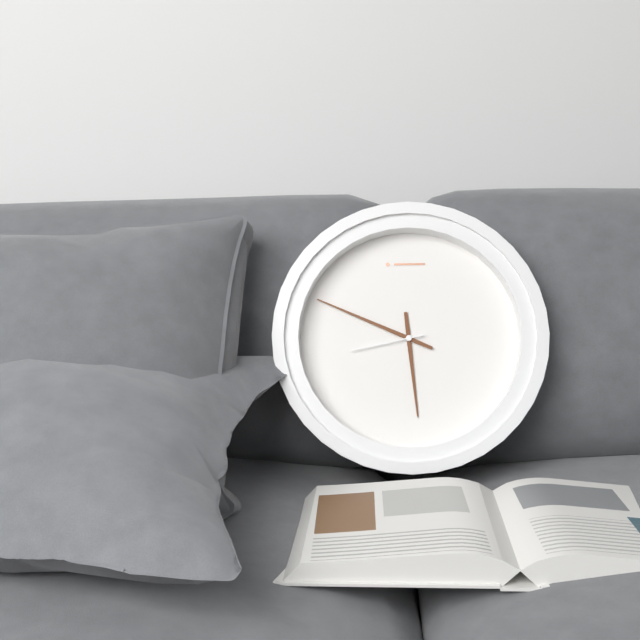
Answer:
5.49.43
